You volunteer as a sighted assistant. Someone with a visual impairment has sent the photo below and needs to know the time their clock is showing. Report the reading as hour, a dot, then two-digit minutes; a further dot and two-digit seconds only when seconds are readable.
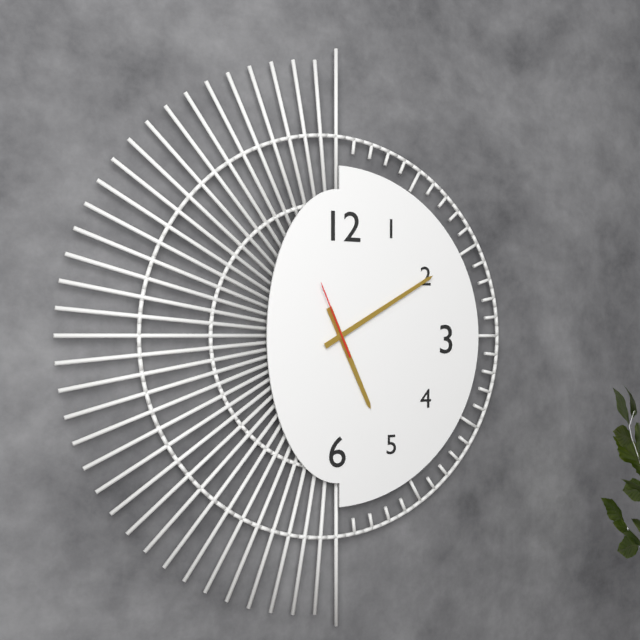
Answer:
5.10.56
